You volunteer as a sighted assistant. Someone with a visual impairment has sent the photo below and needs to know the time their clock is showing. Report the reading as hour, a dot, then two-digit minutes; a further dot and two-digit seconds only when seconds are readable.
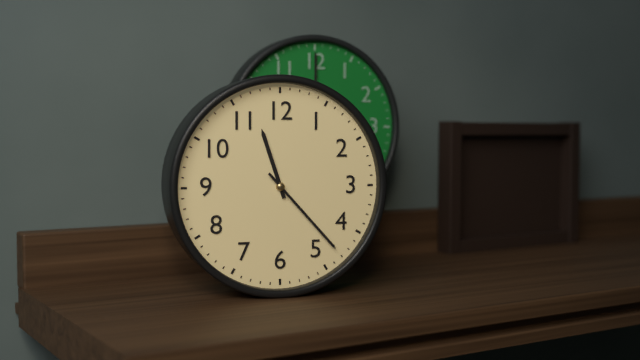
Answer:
11.23
